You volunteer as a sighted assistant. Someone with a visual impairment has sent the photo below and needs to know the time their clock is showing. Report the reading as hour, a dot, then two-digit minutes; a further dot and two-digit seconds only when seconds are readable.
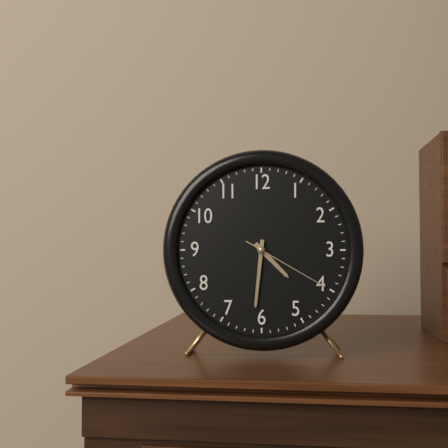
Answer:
4.31.20
